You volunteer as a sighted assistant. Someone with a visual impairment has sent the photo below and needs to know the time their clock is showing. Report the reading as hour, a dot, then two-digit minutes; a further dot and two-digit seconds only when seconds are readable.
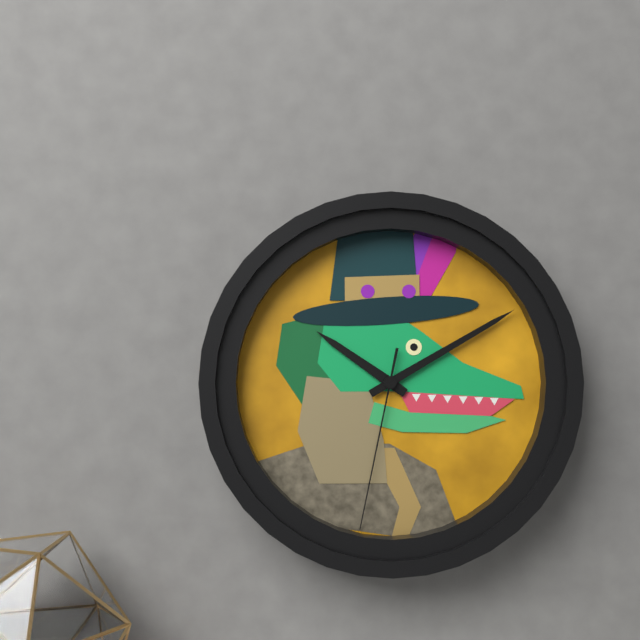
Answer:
10.10.32
